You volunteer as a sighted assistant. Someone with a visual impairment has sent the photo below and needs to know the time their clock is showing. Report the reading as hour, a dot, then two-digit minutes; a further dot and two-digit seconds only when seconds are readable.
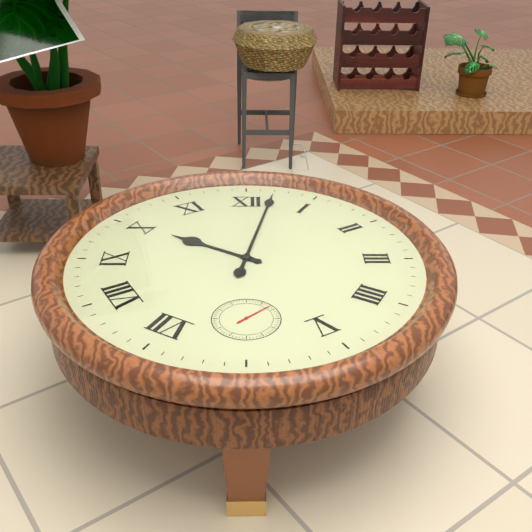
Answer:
10.02
